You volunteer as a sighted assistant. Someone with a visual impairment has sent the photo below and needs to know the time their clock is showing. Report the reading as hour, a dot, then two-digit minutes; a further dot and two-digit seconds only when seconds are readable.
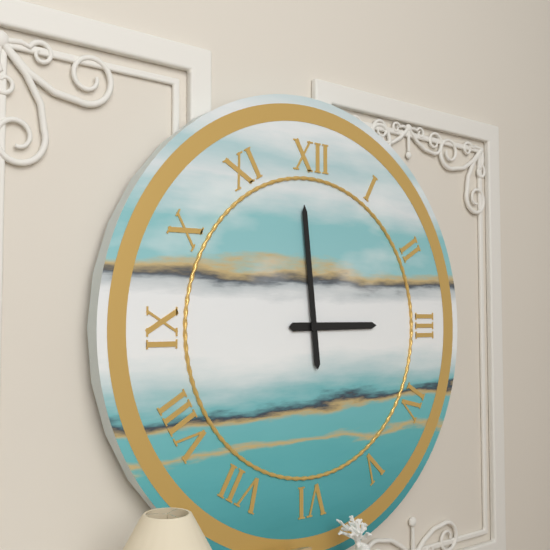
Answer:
2.59
